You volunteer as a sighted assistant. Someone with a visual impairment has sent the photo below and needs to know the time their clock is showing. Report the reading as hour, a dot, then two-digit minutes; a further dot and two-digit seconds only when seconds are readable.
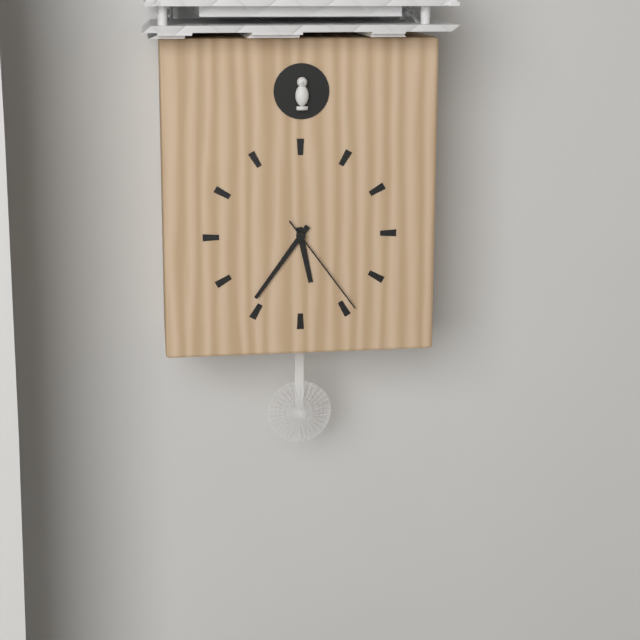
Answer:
5.36.24
